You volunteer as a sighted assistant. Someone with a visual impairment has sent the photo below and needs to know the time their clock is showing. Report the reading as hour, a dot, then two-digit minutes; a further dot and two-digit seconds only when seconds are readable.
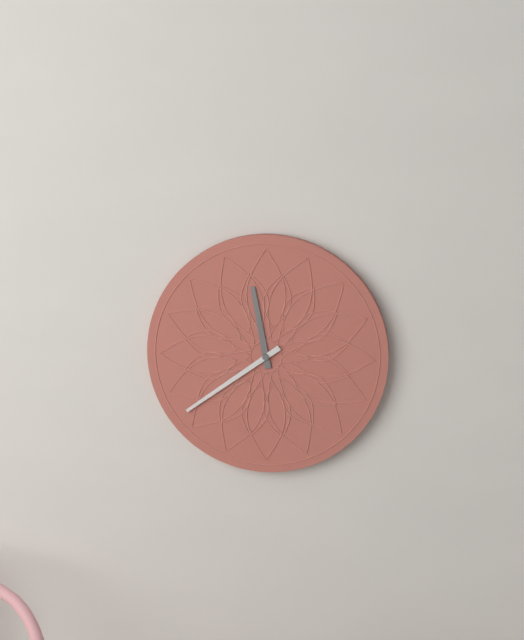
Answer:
11.39
